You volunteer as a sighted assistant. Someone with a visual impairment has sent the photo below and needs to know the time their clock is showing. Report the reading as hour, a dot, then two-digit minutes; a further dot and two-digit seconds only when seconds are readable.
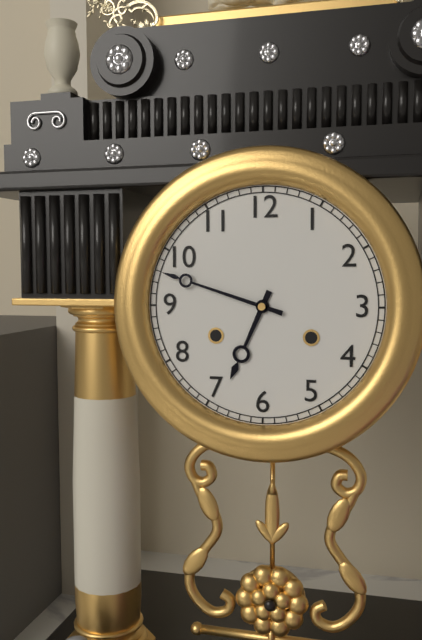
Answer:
6.48
